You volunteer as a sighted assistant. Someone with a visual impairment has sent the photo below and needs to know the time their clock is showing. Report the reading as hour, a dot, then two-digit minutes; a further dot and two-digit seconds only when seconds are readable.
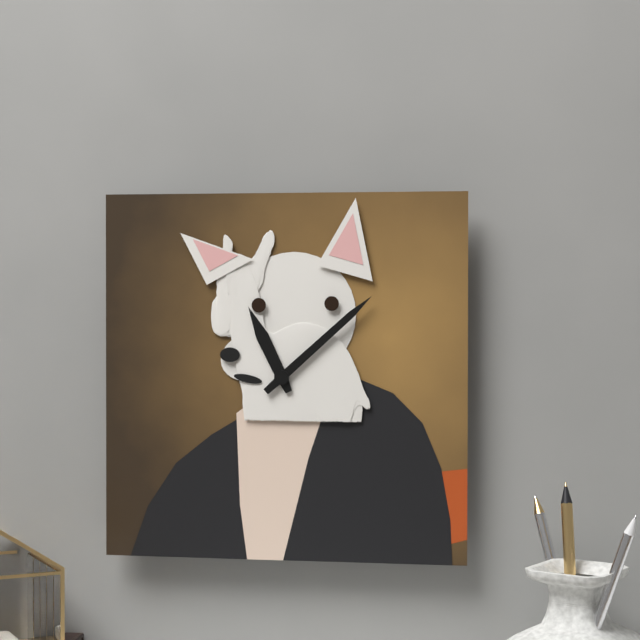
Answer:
11.08
